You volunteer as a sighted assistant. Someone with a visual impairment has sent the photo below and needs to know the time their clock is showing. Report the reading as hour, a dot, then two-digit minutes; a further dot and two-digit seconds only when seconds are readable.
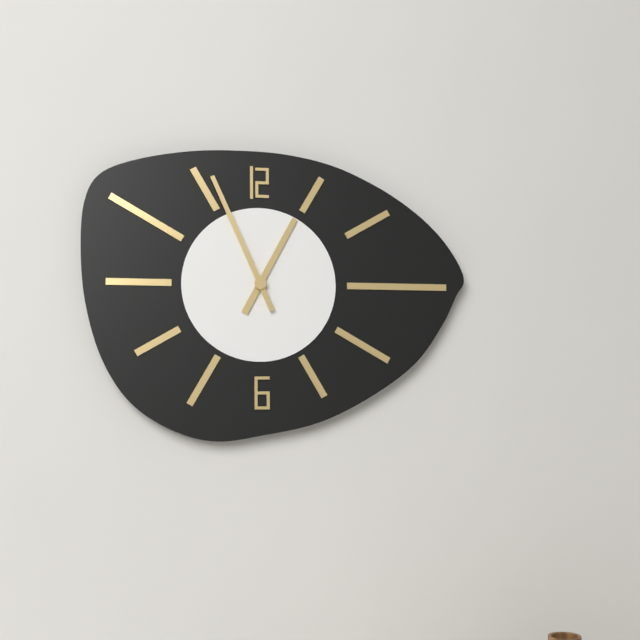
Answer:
12.56
